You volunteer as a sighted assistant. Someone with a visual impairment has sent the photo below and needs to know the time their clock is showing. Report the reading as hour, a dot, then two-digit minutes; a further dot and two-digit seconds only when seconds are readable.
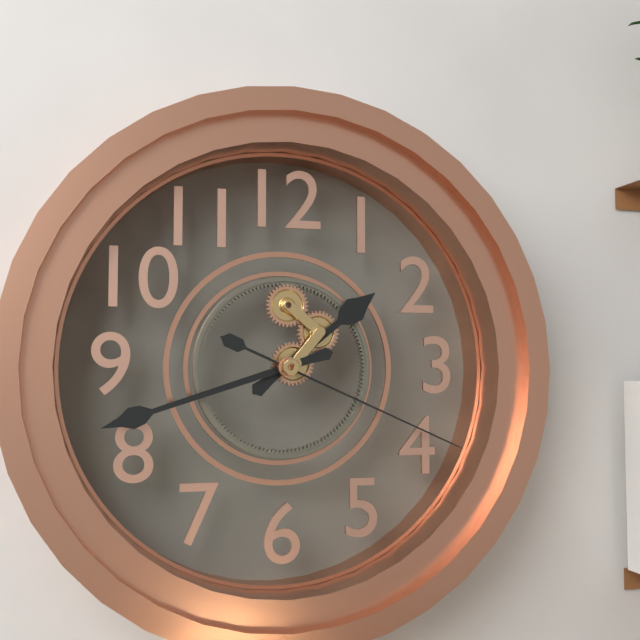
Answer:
1.42.19
